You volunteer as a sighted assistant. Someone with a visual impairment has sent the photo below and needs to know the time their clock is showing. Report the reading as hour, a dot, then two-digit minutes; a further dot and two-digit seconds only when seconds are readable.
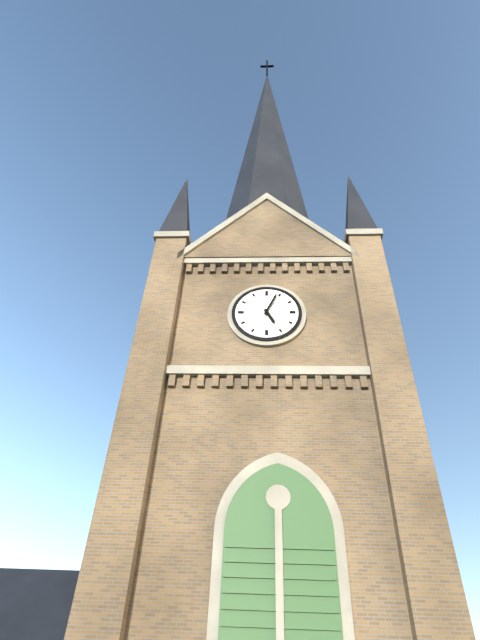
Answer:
5.04
